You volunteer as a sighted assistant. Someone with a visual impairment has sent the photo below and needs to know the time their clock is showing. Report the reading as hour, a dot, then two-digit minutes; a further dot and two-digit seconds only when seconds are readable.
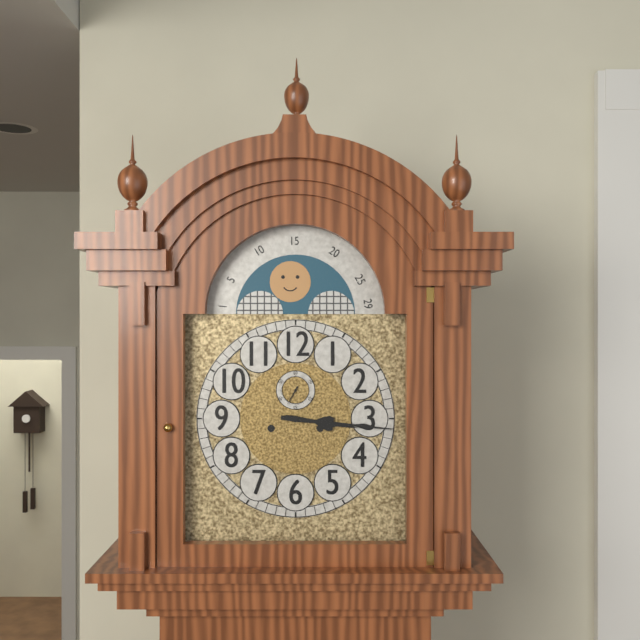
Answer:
3.16
